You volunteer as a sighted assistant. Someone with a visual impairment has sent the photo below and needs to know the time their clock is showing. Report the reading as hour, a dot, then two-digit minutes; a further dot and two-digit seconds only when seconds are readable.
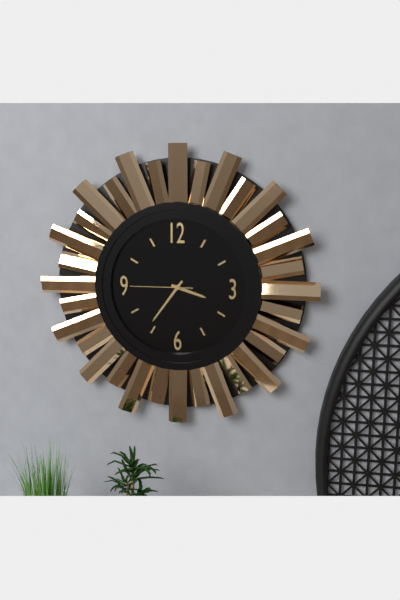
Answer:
3.36.45
